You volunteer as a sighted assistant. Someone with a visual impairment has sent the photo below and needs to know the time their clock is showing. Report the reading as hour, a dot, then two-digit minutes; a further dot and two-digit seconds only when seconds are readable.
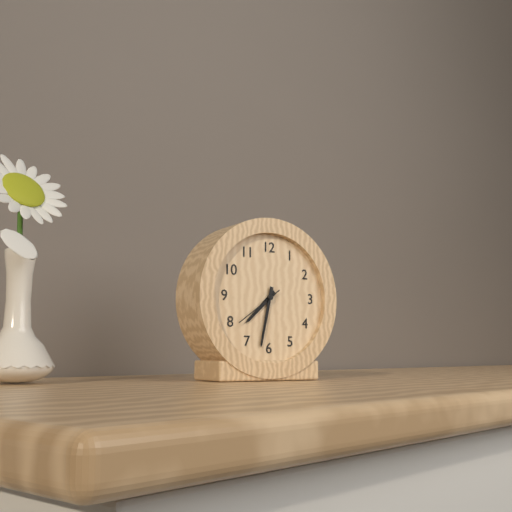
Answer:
7.32.39
